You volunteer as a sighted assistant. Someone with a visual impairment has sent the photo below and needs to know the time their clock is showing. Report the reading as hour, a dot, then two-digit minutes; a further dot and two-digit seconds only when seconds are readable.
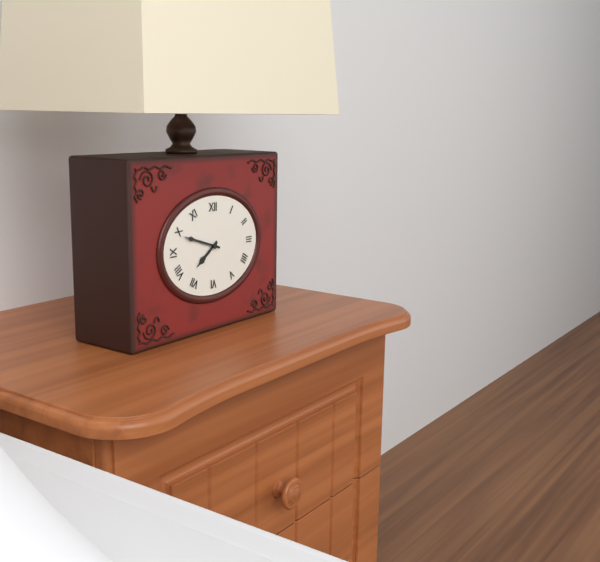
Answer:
7.48
